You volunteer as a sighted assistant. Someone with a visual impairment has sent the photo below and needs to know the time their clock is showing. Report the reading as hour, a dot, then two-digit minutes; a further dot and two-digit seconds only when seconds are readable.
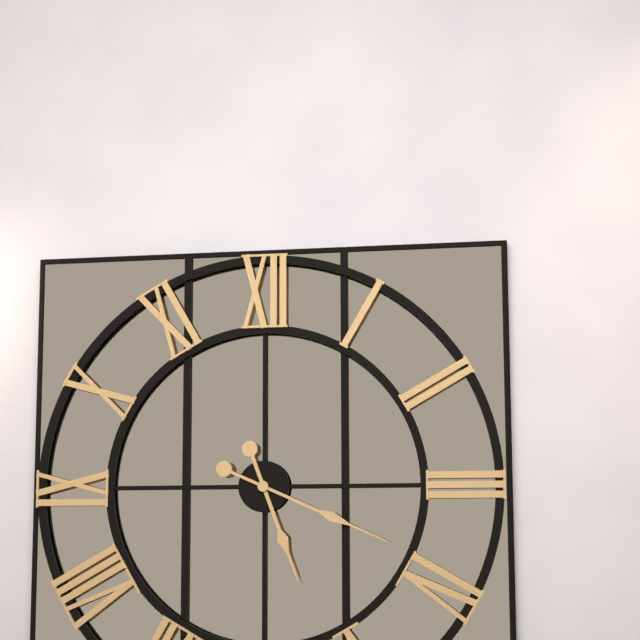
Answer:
5.19
